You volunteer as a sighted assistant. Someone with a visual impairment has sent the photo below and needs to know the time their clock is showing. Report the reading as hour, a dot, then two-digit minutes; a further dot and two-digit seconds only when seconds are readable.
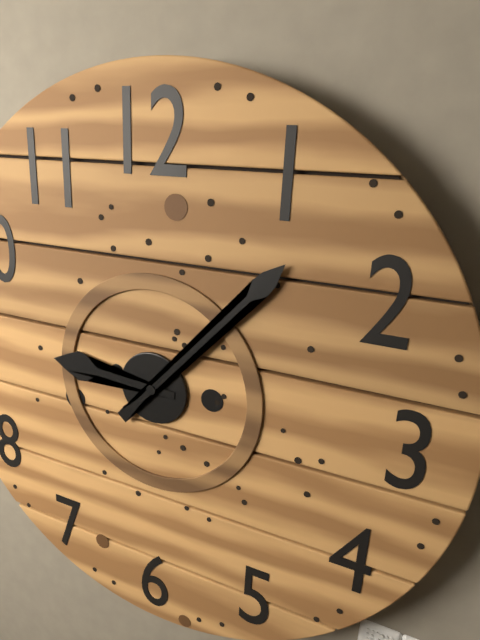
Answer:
9.07
